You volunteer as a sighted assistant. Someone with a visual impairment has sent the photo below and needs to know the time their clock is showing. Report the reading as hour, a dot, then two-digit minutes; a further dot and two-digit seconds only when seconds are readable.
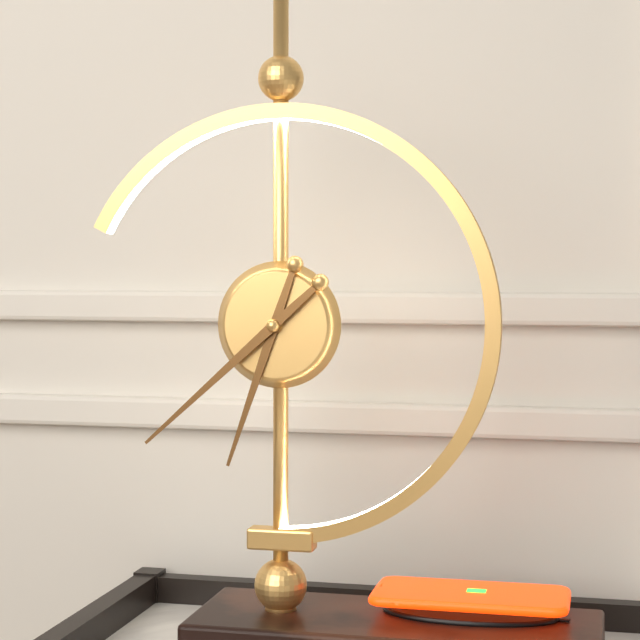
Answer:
6.38
